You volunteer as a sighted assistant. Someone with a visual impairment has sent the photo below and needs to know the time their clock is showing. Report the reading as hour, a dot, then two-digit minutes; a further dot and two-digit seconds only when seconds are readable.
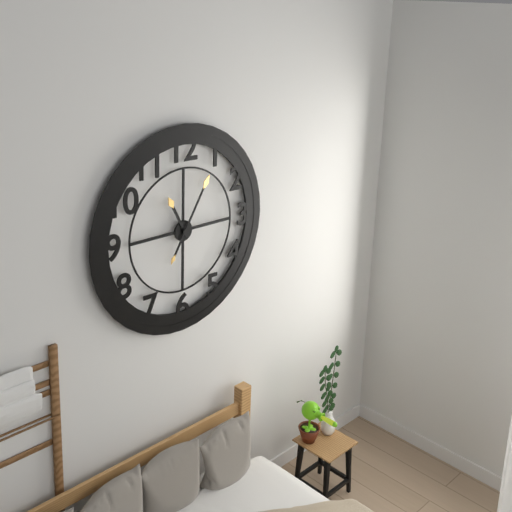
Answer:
11.05
